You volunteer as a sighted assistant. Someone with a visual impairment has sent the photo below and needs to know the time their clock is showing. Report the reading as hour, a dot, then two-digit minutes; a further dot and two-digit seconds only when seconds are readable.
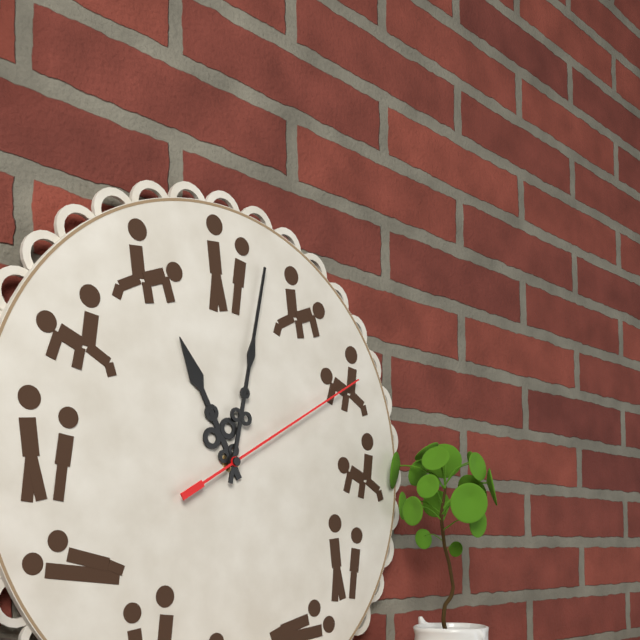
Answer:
11.02.10
